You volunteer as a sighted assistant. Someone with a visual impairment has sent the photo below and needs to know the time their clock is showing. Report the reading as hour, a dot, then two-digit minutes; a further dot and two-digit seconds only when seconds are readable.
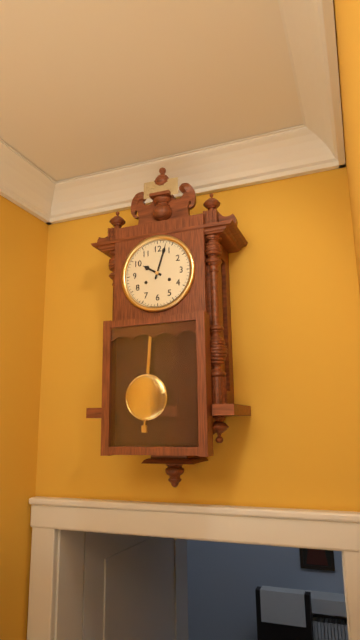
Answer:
10.03
